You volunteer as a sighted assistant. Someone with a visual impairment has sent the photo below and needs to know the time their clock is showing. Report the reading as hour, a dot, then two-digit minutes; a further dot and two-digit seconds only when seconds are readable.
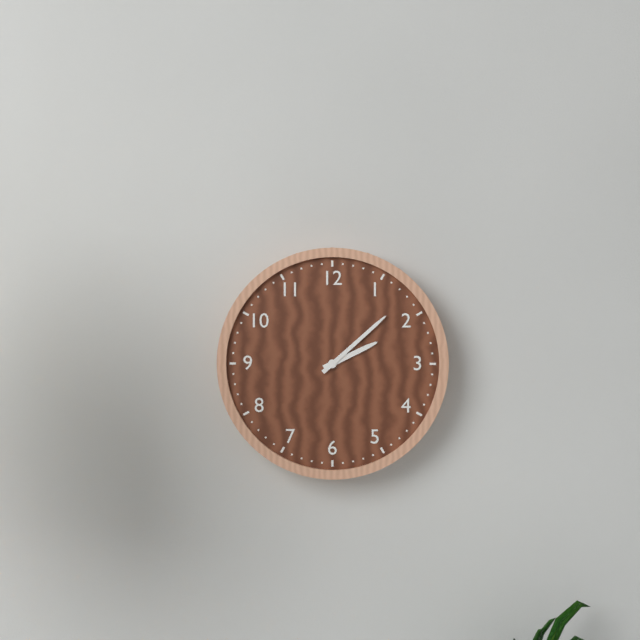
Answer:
2.08
